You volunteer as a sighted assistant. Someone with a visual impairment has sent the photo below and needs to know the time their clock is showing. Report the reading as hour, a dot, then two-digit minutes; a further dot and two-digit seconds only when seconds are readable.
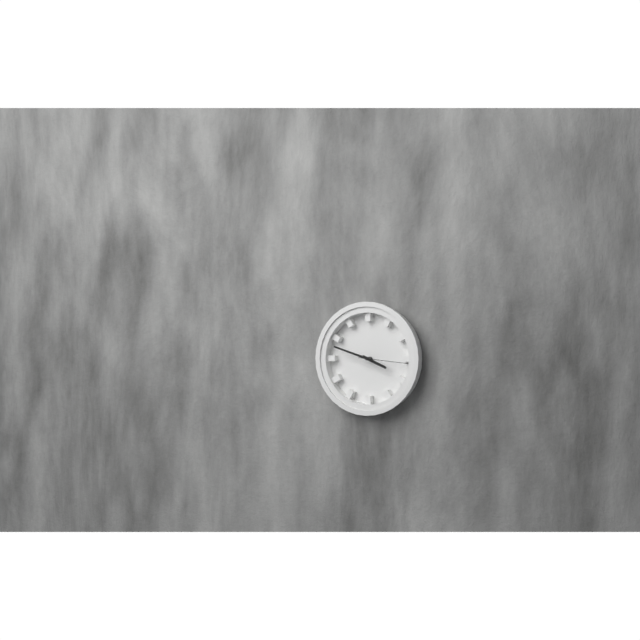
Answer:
3.48.16
